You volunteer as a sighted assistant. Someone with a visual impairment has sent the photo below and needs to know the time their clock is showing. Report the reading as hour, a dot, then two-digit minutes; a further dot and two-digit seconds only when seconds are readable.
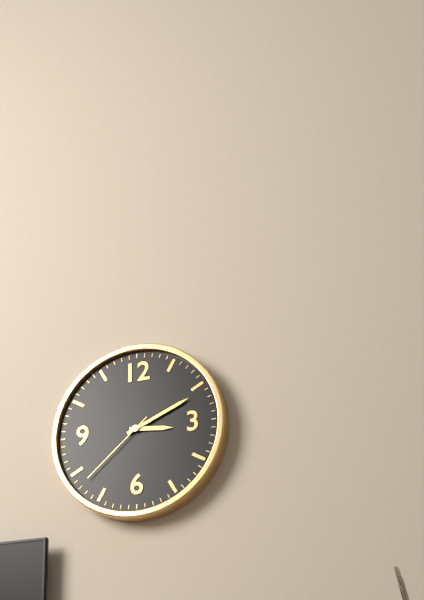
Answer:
3.11.38
